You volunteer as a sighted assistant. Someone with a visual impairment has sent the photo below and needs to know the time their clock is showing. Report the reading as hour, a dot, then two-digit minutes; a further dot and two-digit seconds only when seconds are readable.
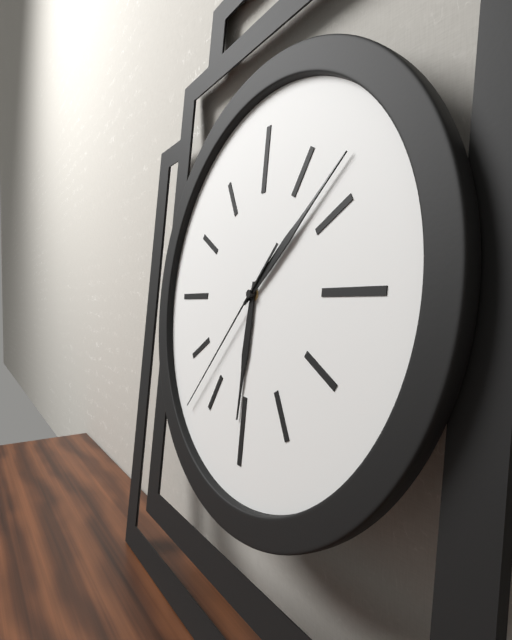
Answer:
6.08.37
